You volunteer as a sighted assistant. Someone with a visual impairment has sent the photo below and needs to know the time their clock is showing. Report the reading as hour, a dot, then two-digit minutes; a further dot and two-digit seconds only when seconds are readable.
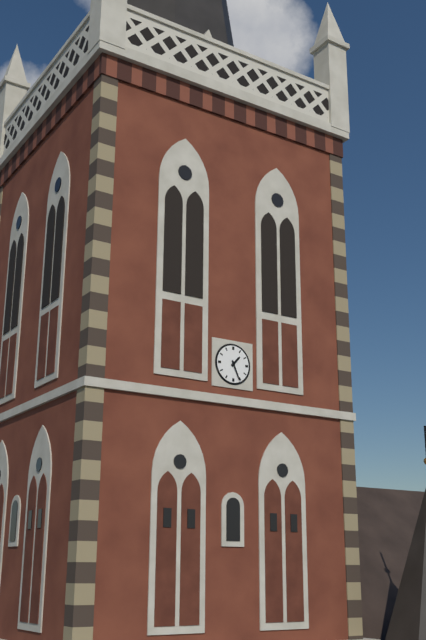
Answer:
1.26
